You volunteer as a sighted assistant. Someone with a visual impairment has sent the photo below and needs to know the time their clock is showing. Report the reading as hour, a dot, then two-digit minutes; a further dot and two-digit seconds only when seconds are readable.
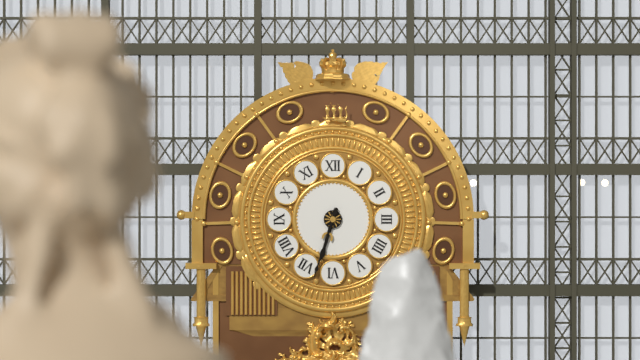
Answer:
6.33
